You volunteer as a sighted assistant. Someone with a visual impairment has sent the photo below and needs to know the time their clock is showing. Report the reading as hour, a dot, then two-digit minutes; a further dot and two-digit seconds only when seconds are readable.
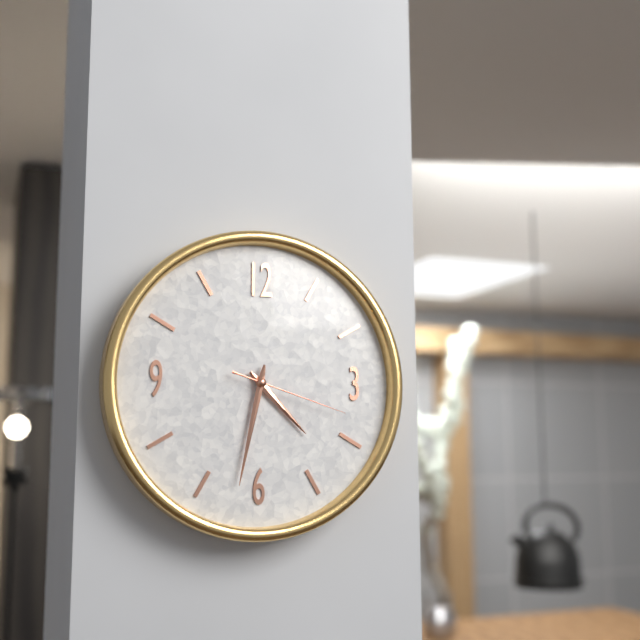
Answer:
4.32.18
